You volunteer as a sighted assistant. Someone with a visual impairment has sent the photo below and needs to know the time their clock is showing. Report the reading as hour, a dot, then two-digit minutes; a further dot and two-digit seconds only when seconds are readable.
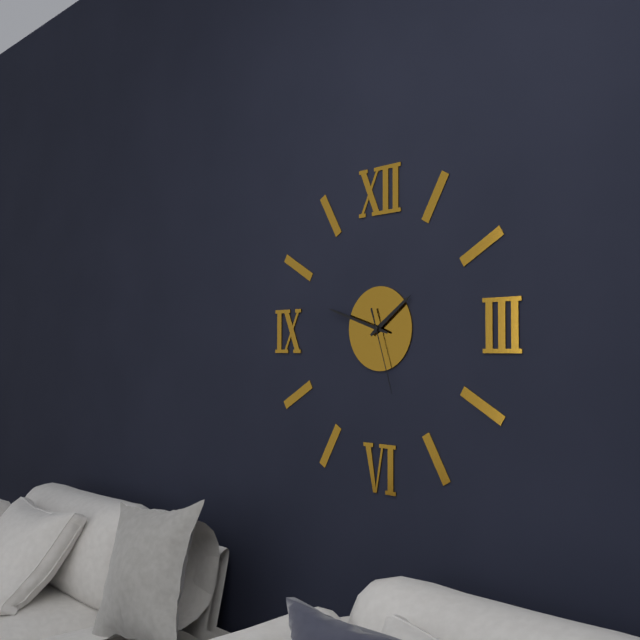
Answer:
1.48.27
